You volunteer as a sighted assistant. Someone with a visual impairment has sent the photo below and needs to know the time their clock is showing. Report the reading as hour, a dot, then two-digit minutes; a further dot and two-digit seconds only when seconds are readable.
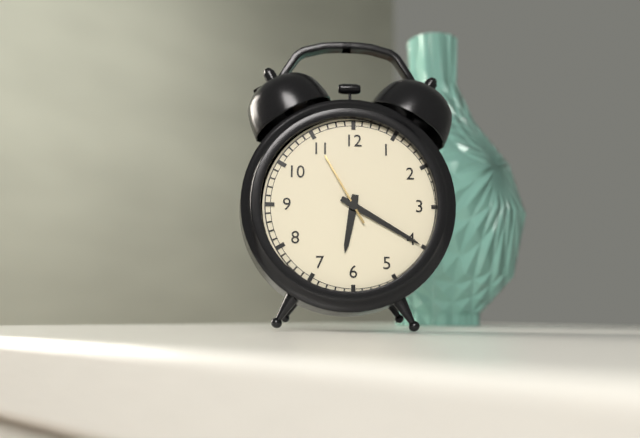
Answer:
6.20.55
